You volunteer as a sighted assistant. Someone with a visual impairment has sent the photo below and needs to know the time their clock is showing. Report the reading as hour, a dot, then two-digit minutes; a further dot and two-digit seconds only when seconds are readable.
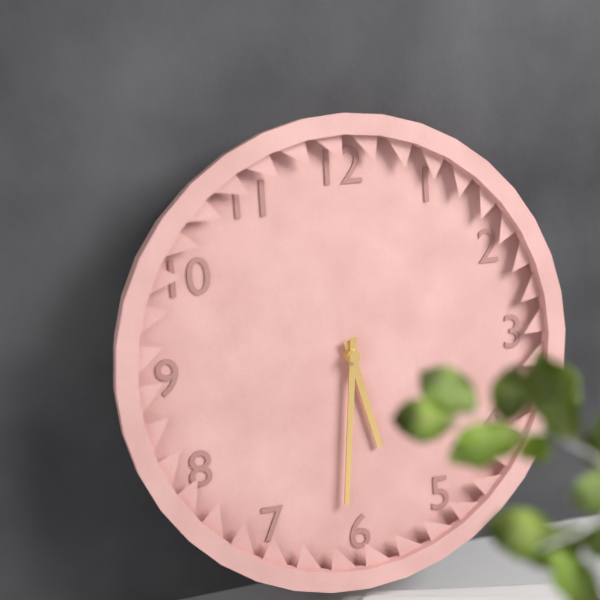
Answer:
5.31
